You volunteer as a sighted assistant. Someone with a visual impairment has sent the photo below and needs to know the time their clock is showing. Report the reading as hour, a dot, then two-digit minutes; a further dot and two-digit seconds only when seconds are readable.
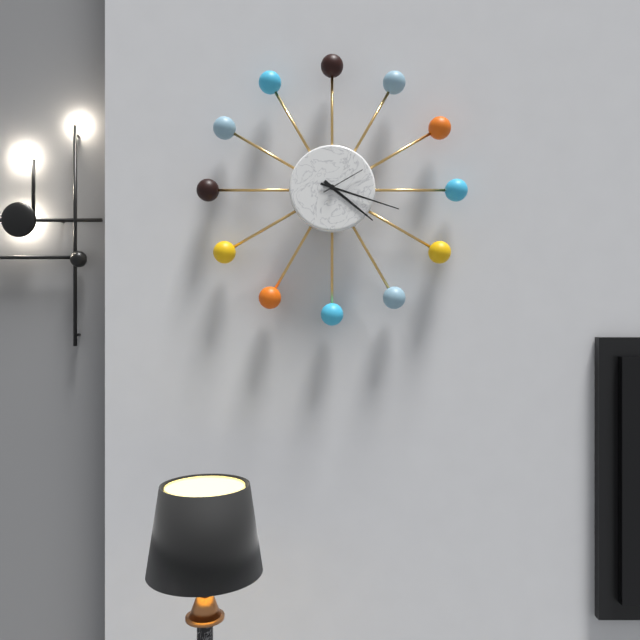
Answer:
4.18
